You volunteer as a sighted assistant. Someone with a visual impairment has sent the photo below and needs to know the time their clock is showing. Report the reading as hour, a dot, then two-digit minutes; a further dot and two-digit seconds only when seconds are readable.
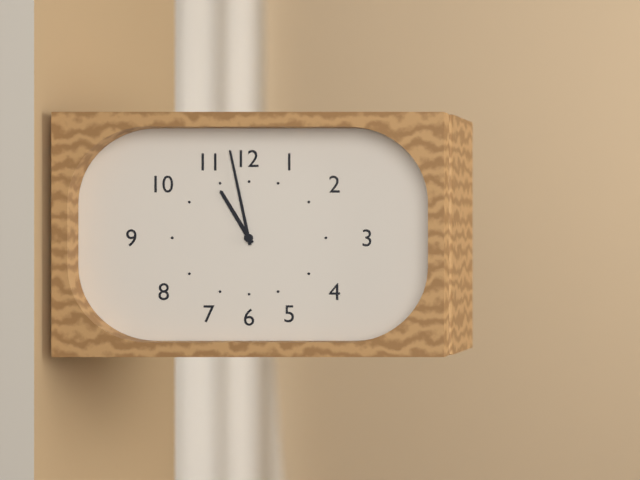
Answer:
10.58
